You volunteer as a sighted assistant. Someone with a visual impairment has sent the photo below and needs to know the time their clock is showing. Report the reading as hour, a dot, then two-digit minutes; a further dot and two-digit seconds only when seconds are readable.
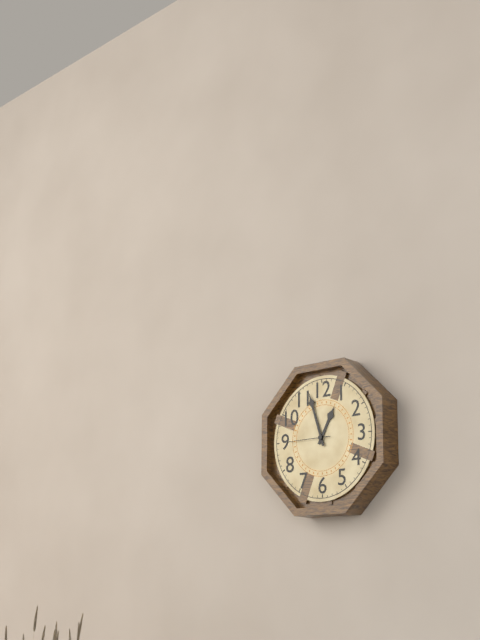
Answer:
12.57
